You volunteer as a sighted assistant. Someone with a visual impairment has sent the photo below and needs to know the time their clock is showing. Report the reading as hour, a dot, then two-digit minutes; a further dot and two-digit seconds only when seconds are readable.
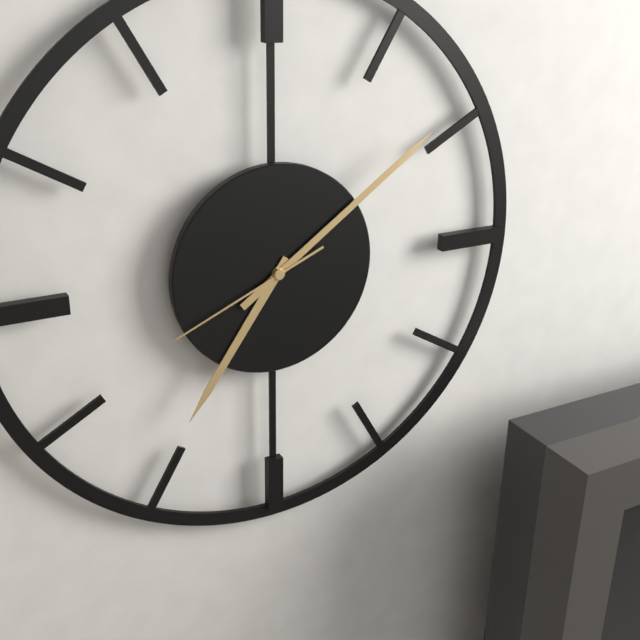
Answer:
7.09.41
